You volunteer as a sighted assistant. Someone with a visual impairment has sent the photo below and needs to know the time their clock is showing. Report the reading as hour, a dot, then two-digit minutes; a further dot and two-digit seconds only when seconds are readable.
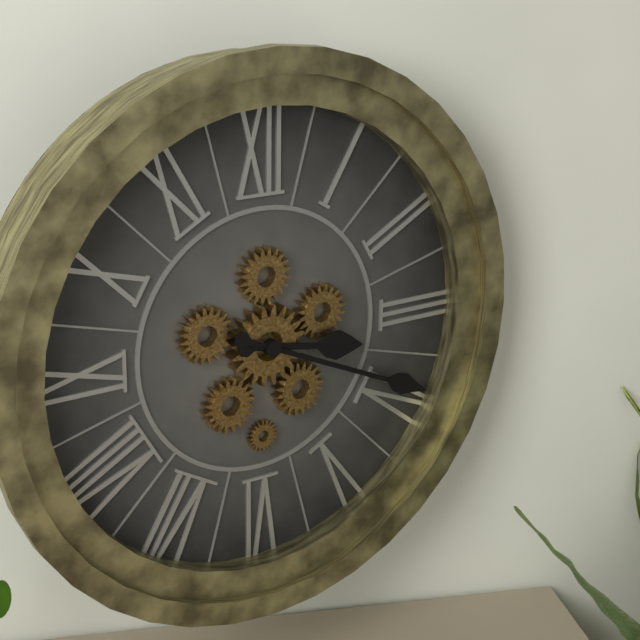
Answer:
3.19
